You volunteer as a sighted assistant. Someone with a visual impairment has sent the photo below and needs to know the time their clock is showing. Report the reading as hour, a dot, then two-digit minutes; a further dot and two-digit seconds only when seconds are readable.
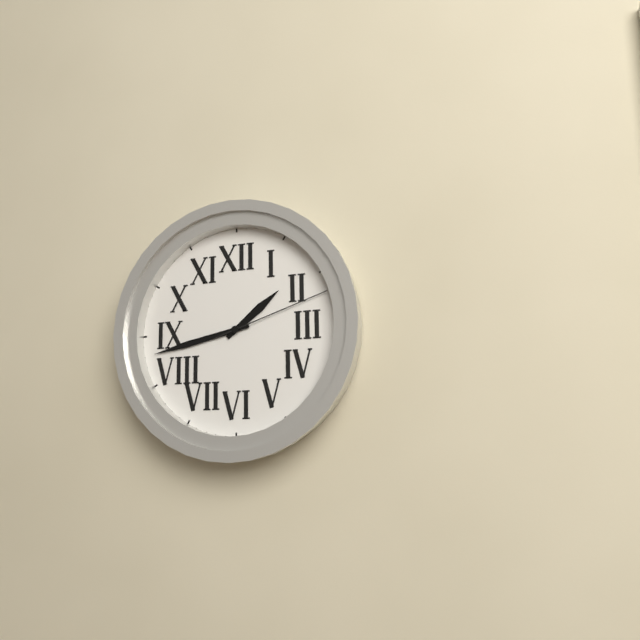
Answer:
1.43.12
